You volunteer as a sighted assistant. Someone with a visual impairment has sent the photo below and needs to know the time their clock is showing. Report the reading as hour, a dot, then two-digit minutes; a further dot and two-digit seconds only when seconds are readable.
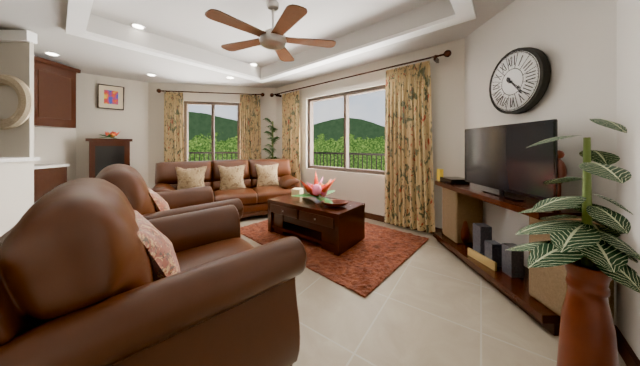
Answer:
4.23
